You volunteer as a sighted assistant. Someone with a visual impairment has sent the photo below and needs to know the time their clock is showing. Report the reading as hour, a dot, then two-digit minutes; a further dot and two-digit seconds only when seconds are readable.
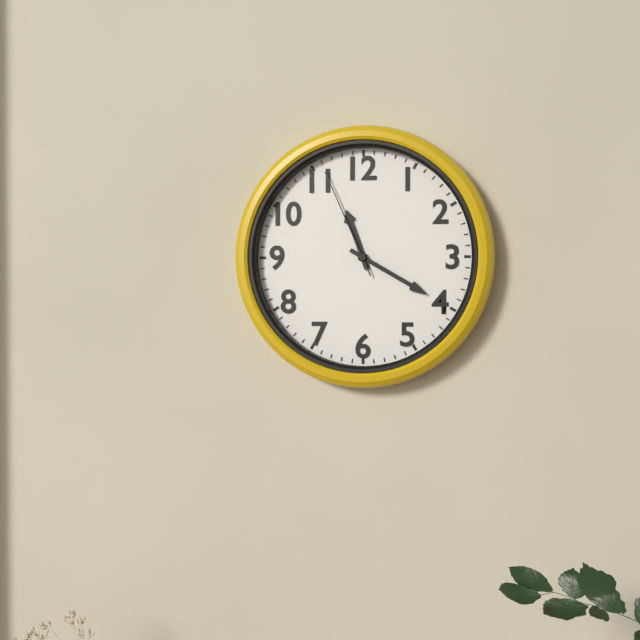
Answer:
11.20.56
